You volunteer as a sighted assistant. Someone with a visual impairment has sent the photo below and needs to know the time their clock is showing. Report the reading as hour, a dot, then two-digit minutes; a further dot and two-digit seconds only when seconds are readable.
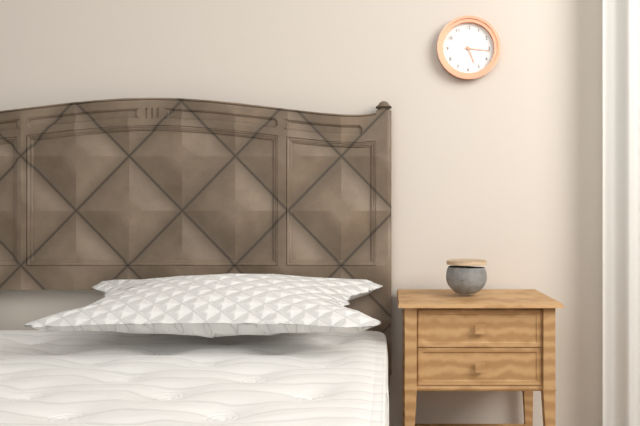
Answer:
5.16
